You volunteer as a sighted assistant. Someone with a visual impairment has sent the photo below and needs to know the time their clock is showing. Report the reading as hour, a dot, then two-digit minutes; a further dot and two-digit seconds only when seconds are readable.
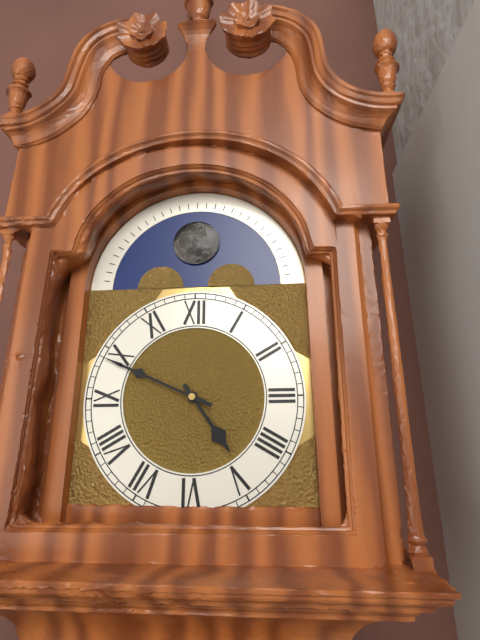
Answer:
4.49
